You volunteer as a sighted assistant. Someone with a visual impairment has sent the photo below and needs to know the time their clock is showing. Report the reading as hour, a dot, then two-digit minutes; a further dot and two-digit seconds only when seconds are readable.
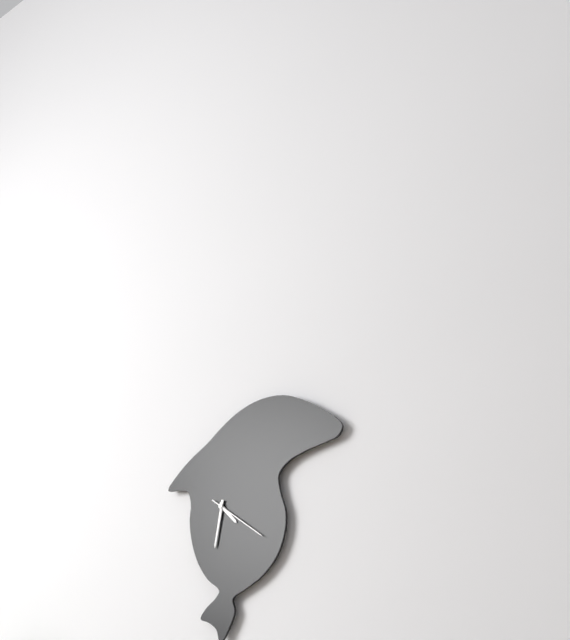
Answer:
4.32.21
